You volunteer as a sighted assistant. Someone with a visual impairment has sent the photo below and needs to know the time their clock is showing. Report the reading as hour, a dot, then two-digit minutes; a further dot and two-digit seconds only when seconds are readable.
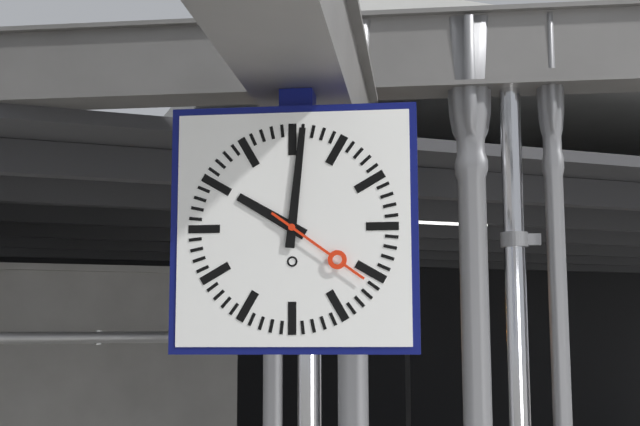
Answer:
10.01.21
